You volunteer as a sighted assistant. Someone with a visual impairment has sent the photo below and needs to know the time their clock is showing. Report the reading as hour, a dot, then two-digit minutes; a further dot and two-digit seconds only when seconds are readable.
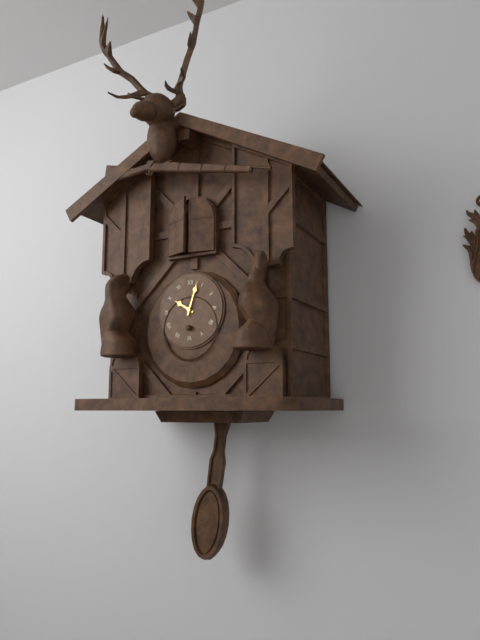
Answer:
10.03
